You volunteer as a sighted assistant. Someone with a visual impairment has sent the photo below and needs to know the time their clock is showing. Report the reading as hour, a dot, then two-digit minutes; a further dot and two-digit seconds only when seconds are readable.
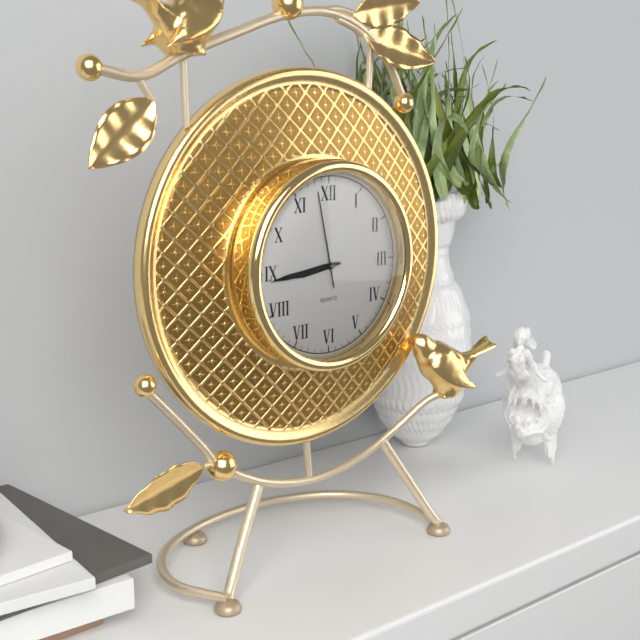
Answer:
8.44.58
